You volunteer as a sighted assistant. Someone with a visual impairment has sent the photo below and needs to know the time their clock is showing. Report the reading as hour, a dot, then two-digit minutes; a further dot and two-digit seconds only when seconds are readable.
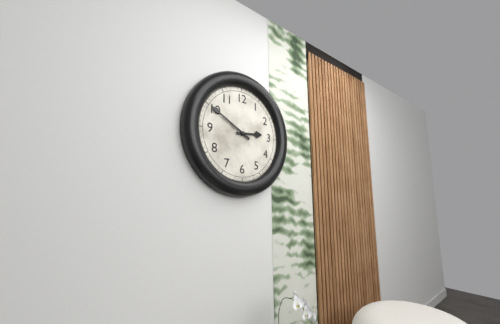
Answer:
2.50
